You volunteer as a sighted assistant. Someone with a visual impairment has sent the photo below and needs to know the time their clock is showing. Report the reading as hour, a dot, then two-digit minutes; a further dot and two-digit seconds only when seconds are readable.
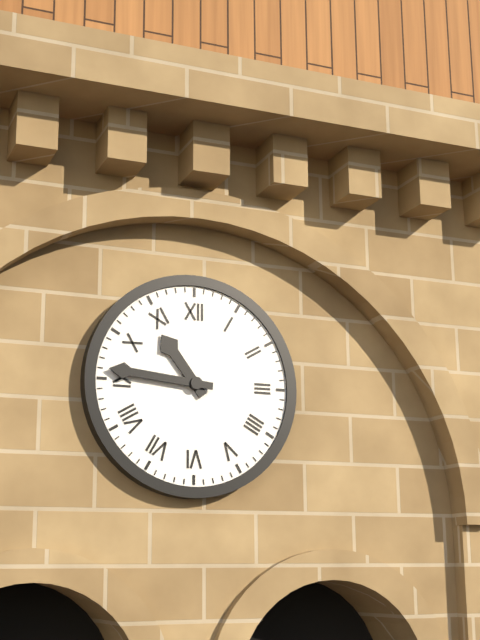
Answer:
10.46
